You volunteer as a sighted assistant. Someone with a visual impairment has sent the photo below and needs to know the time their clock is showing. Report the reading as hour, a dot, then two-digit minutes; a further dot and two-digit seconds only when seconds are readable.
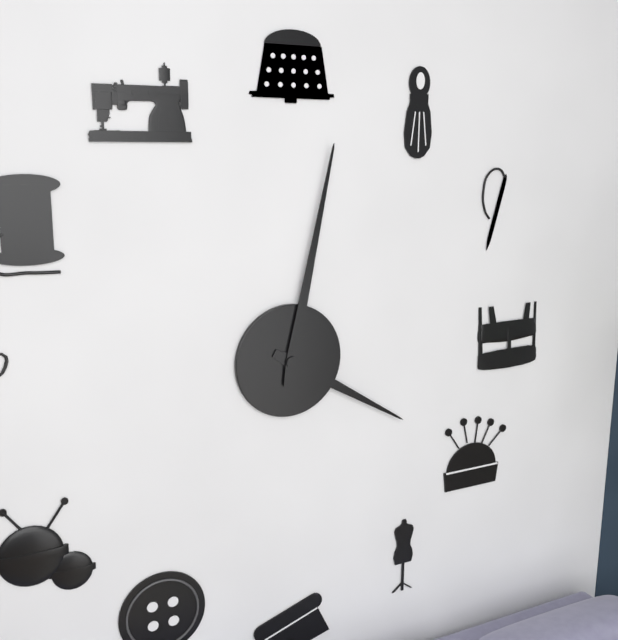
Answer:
4.02
